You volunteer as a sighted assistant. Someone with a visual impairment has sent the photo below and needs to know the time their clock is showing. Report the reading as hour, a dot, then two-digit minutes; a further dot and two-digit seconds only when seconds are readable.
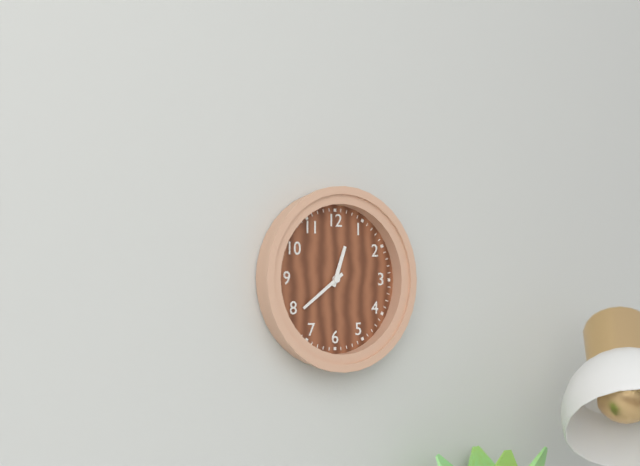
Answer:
12.39
